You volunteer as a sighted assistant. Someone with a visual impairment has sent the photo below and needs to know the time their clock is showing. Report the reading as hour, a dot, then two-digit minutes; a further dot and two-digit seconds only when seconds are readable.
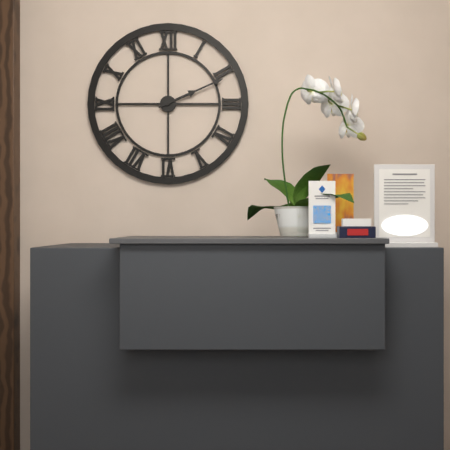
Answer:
2.11
